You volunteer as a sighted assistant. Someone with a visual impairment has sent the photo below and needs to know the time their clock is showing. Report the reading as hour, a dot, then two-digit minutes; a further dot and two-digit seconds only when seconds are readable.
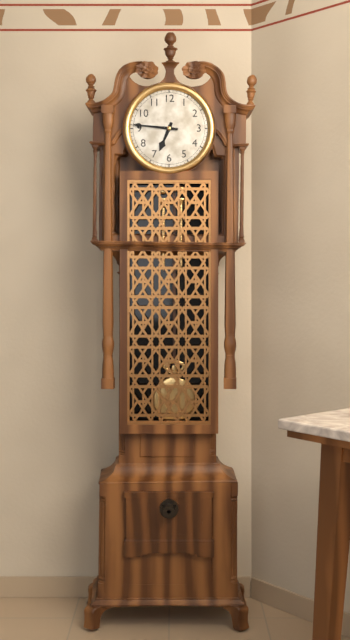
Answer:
6.46
